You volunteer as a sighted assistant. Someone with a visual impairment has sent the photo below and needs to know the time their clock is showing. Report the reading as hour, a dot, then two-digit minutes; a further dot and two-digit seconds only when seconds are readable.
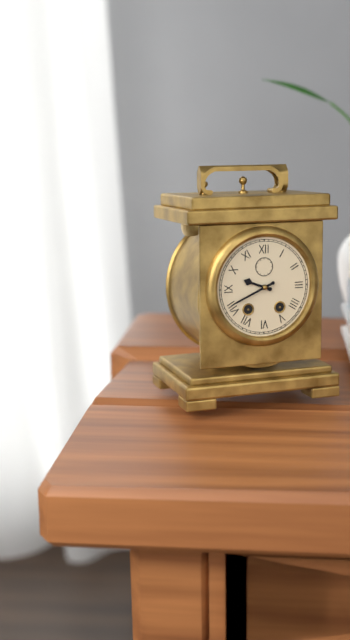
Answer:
9.41
